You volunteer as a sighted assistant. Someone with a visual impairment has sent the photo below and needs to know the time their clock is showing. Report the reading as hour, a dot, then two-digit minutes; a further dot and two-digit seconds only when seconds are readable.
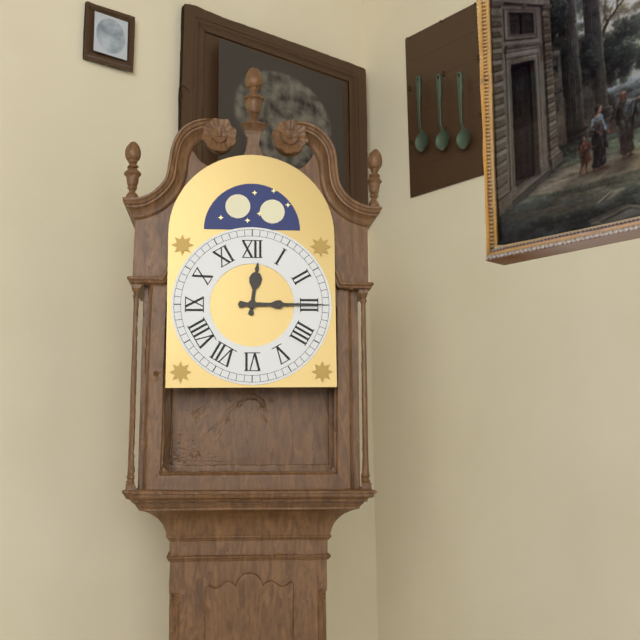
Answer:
12.15
